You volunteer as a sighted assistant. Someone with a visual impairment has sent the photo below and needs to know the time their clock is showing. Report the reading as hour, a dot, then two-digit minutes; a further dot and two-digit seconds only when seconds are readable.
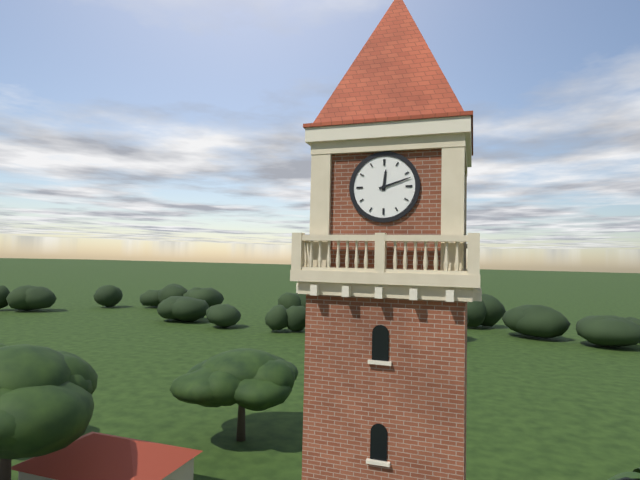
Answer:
12.12
